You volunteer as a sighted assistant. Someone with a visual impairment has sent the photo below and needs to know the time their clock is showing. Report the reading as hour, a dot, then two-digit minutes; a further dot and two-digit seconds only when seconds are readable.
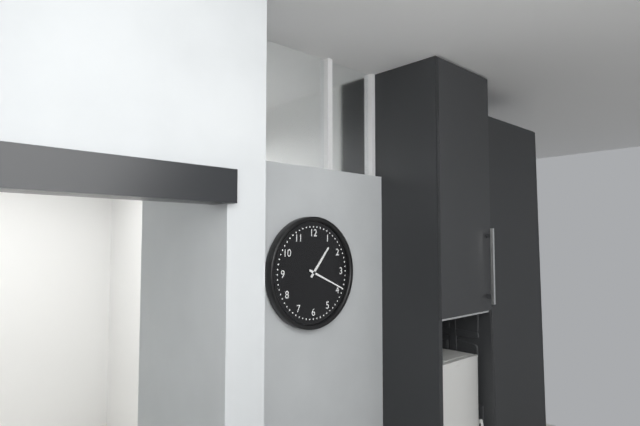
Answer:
1.19
